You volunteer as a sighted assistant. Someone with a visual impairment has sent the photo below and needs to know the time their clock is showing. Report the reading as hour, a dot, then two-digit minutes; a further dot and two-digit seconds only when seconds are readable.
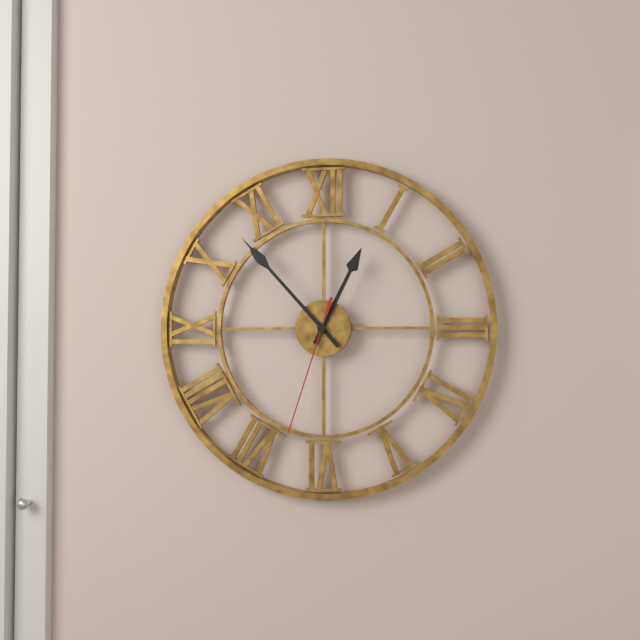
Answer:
12.53.33
